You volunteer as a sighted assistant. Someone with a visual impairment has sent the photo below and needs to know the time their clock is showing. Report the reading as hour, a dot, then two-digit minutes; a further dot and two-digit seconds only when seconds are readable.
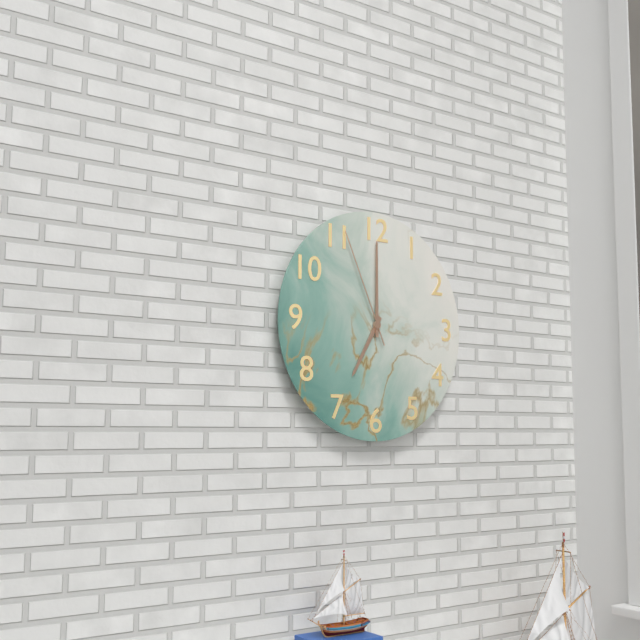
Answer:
7.00.56
